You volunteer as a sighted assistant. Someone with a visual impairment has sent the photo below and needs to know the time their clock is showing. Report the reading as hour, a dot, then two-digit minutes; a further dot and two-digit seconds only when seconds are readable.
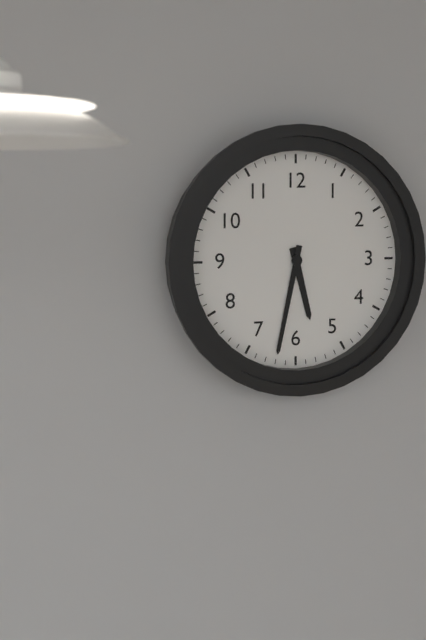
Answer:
5.32
